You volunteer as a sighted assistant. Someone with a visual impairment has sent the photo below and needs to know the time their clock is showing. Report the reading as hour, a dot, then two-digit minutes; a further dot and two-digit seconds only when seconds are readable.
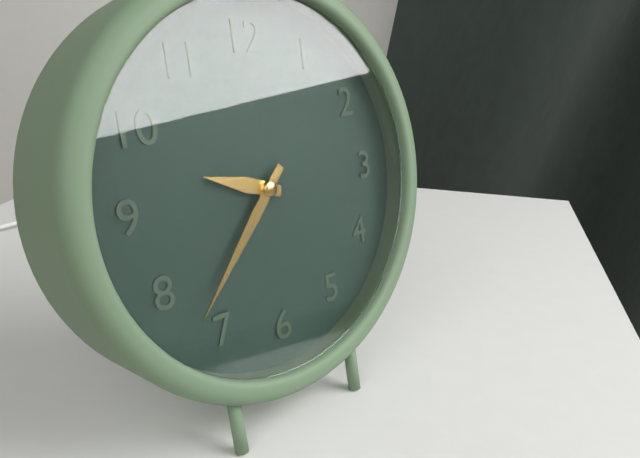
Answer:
9.37
